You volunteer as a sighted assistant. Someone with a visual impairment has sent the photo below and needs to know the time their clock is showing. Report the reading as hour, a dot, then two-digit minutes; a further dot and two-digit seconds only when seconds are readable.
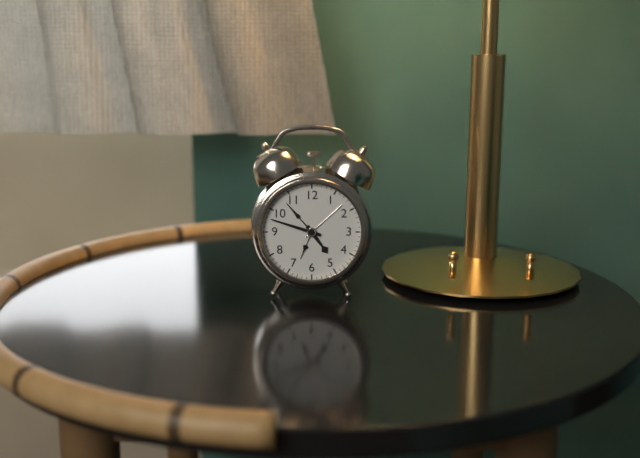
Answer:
4.48
